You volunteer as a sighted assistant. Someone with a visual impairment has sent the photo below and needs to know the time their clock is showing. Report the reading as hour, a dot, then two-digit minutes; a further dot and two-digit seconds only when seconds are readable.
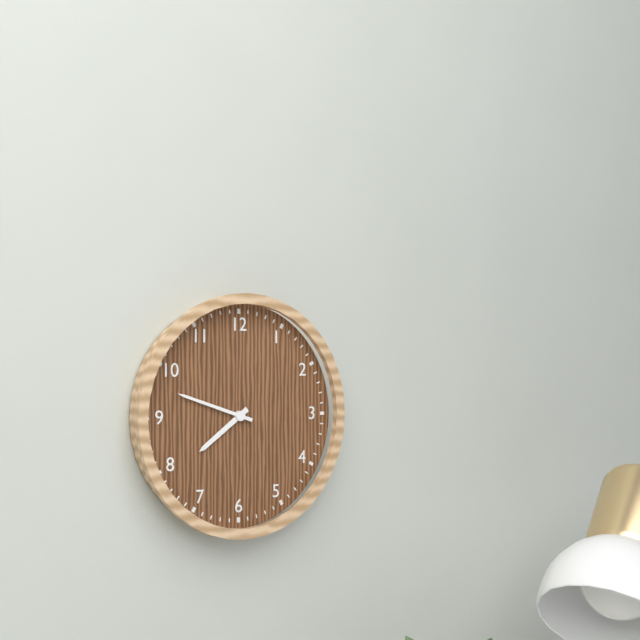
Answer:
7.48
